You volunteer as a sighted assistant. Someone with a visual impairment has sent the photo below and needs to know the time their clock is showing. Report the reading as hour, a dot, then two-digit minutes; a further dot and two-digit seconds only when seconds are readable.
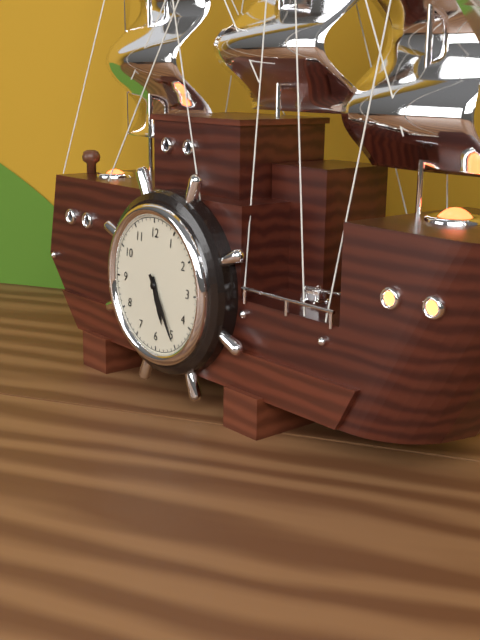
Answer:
5.25
